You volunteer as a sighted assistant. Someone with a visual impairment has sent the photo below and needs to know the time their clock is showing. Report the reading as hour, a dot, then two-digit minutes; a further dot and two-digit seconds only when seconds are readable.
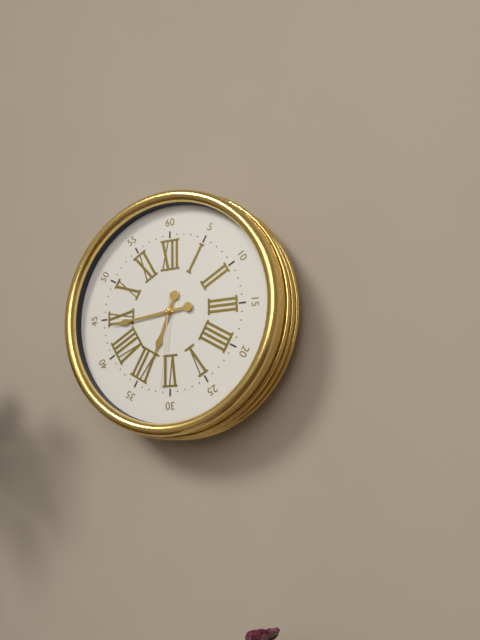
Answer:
6.44.31
